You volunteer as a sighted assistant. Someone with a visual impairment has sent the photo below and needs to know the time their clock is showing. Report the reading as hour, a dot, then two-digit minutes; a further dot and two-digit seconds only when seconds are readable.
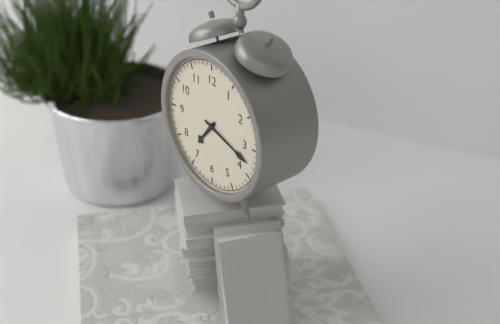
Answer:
7.18
